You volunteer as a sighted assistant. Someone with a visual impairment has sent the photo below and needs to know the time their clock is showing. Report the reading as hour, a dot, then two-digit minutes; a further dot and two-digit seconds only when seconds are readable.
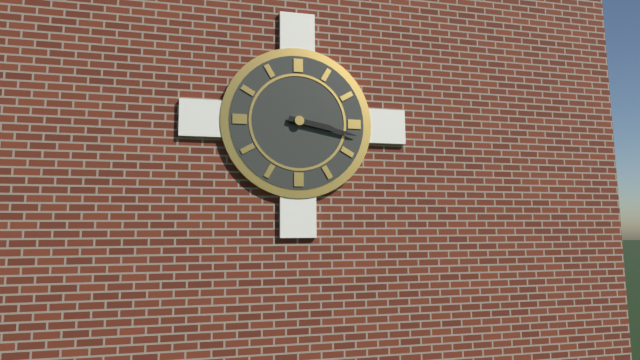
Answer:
3.17
